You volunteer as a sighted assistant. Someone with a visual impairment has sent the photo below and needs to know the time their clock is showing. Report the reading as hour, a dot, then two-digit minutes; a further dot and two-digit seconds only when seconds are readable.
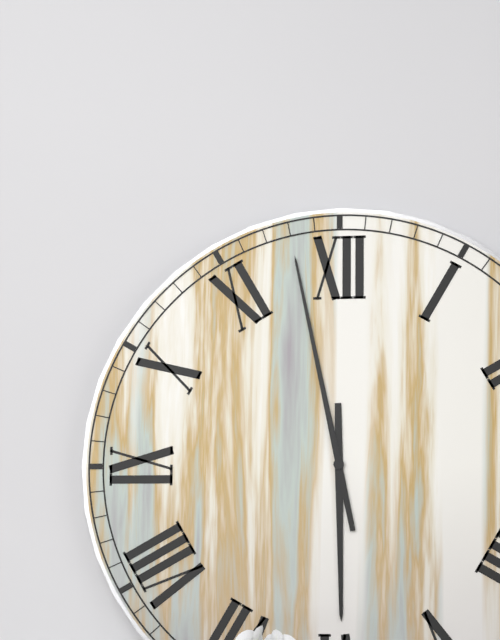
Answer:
5.58
